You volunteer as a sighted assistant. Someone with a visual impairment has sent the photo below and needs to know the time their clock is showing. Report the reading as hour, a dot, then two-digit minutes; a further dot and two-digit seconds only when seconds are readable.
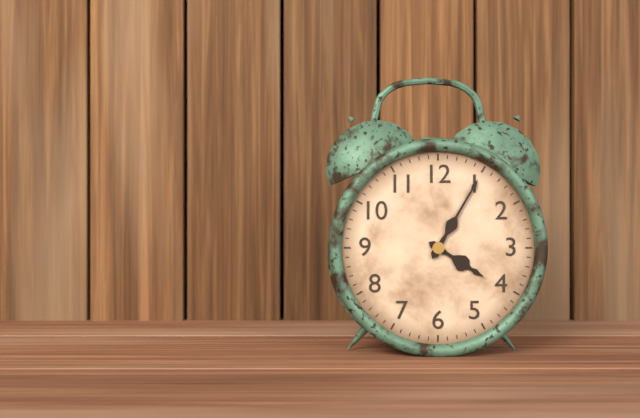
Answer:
4.05
